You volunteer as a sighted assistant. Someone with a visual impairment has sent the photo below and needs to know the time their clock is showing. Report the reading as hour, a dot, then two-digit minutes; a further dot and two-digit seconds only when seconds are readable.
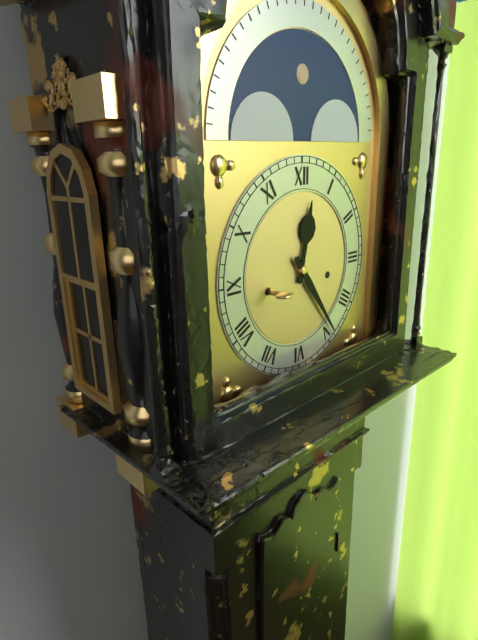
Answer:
12.24
